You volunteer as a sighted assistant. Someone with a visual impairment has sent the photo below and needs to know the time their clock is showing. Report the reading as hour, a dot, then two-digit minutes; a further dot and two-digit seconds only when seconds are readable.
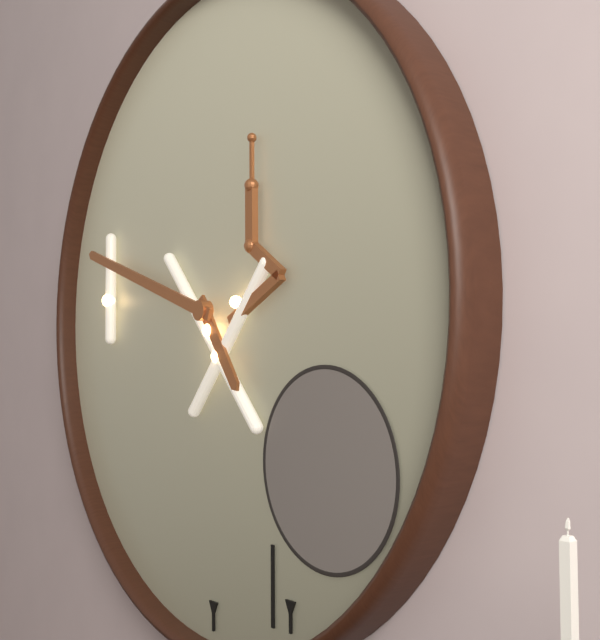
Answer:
4.48
